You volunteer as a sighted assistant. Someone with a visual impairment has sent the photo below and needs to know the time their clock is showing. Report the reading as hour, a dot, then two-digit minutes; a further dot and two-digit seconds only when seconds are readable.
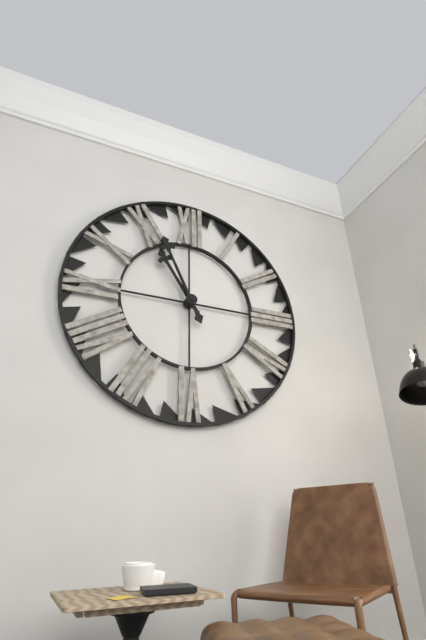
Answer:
10.56
